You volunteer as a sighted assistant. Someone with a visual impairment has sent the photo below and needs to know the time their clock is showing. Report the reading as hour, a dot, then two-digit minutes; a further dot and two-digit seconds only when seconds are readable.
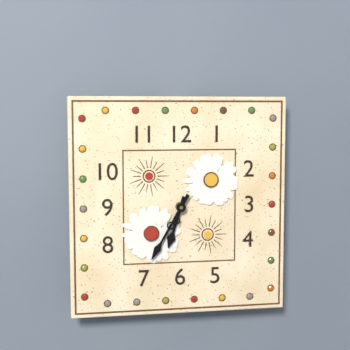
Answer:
6.35
